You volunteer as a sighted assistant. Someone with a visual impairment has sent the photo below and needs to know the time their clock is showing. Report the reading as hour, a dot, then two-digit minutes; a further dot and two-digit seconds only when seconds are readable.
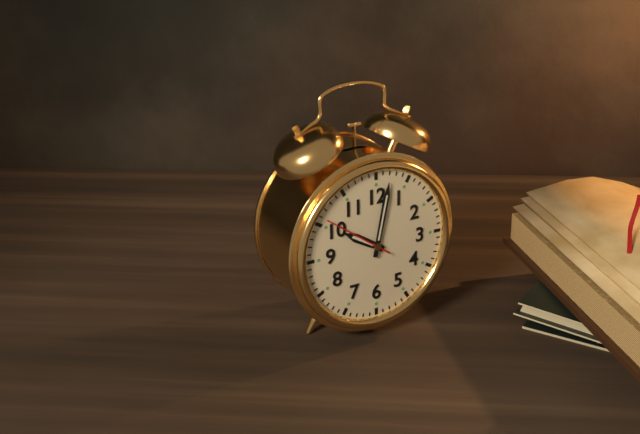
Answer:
10.02.51
